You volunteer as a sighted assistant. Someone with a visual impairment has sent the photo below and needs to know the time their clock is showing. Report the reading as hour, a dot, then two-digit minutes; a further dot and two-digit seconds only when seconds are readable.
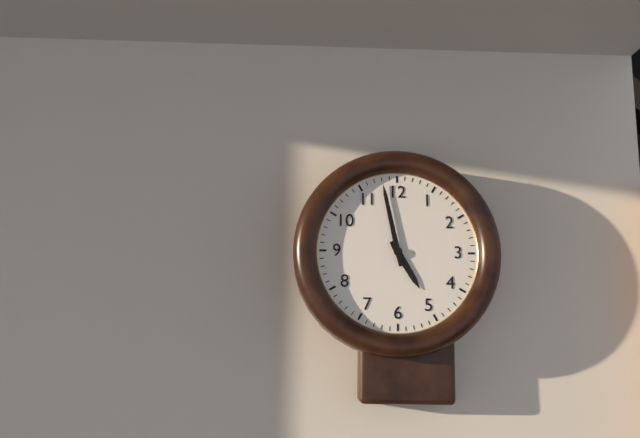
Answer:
4.58
